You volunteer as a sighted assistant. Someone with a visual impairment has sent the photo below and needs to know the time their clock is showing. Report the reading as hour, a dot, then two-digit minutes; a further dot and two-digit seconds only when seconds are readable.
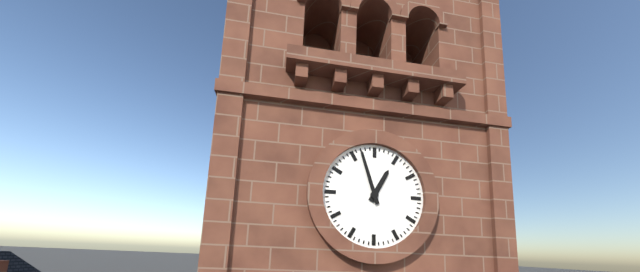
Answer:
12.57
